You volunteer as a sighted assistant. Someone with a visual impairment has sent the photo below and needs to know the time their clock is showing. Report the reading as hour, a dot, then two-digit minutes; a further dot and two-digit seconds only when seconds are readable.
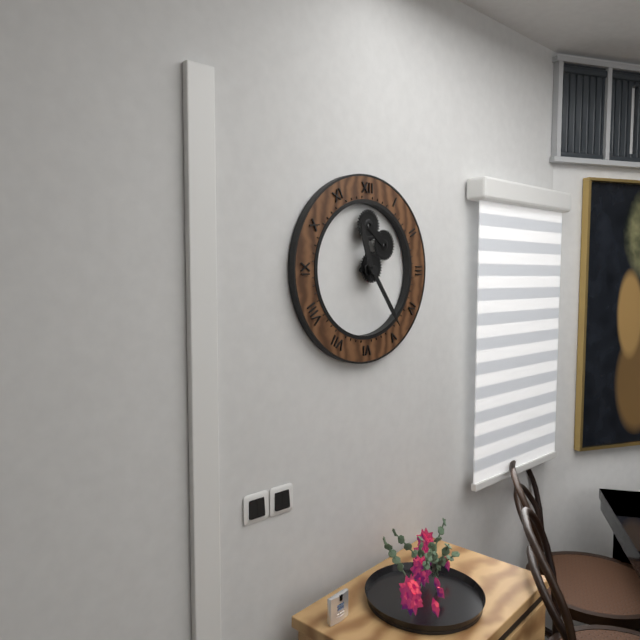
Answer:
11.24
